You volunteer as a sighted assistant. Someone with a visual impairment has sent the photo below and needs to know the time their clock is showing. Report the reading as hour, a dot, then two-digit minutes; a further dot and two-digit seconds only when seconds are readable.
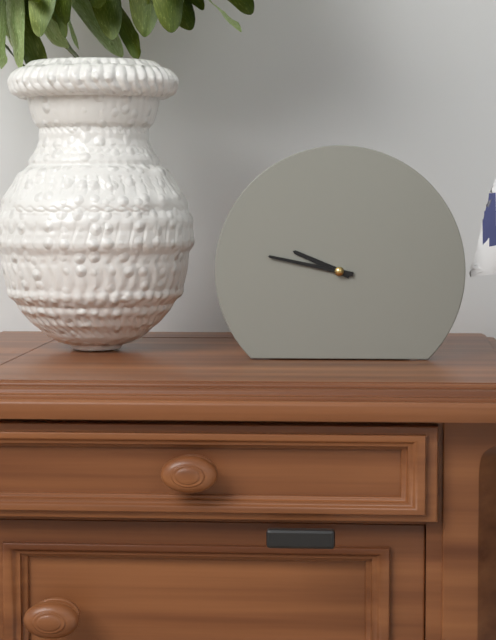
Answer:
9.47
